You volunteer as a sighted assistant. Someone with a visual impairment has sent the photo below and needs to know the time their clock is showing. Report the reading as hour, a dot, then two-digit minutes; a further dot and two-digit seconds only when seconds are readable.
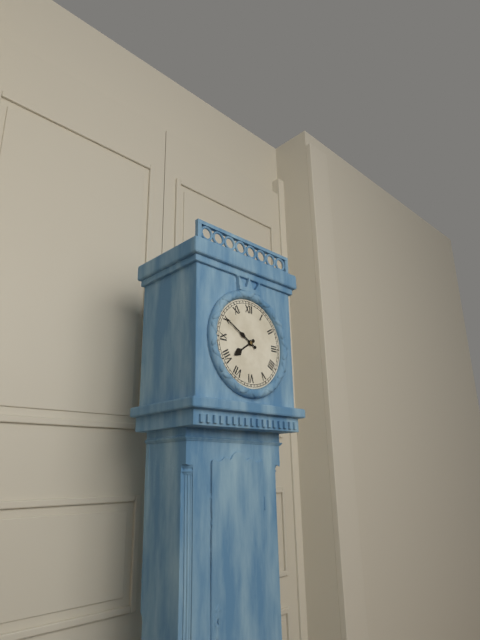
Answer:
7.50
